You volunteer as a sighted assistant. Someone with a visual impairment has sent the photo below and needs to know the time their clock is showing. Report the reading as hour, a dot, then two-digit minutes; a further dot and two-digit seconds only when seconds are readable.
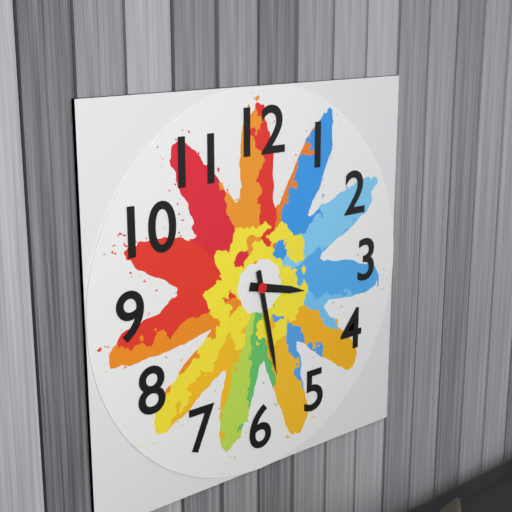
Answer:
3.28
